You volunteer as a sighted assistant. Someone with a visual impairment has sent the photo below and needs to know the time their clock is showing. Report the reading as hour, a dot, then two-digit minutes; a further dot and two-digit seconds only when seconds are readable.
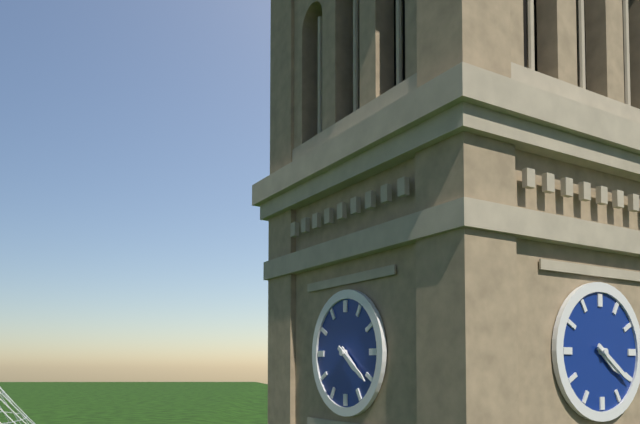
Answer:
4.21
